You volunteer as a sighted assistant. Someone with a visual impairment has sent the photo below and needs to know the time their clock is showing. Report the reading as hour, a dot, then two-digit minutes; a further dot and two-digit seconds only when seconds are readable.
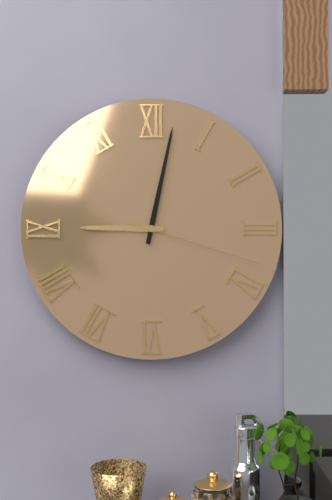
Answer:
9.02.18
